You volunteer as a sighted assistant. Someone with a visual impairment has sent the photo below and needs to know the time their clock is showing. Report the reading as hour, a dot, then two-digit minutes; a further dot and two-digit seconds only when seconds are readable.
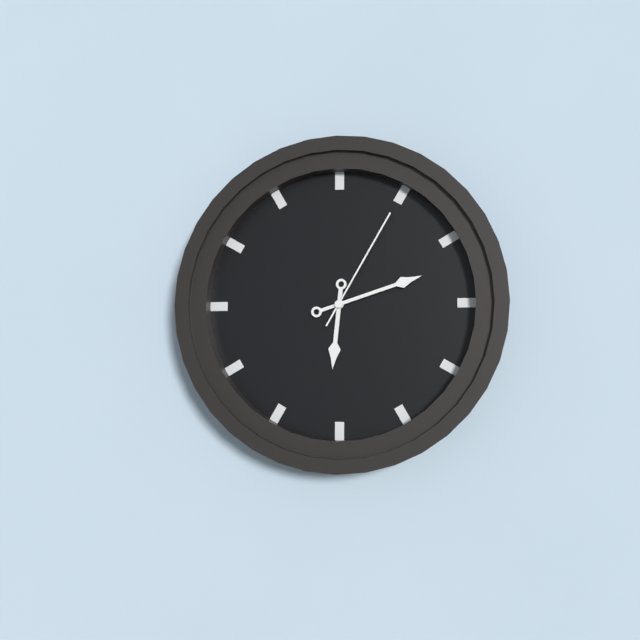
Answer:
6.12.05
